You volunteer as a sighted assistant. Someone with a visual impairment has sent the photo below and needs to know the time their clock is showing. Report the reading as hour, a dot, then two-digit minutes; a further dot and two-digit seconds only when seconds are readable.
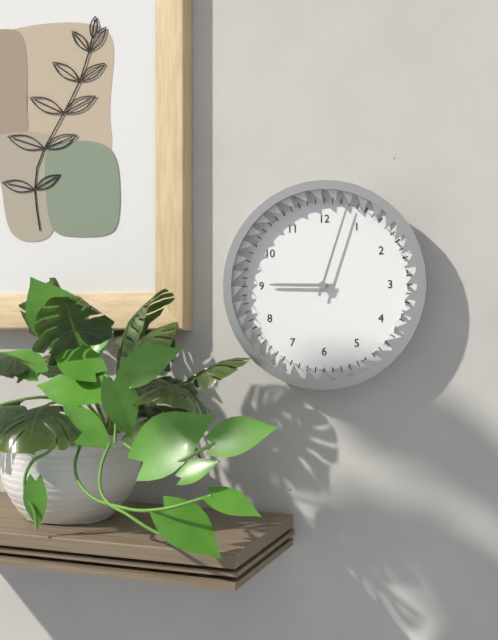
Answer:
9.03
